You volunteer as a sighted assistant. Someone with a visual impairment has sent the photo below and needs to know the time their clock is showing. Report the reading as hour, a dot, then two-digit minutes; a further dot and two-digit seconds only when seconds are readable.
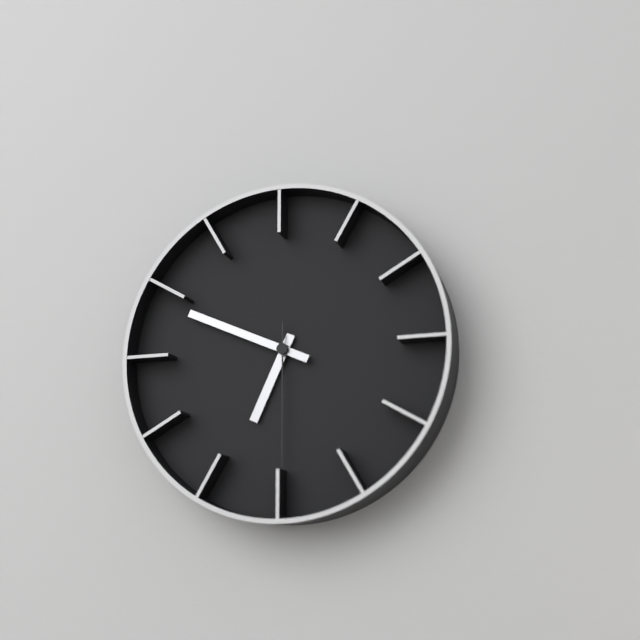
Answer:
6.49.30
